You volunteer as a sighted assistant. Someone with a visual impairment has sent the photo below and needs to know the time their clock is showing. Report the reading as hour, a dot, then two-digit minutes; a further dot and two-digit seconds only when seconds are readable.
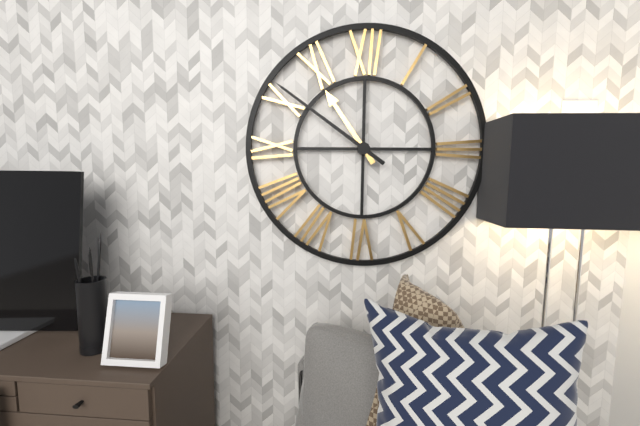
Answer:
10.51
